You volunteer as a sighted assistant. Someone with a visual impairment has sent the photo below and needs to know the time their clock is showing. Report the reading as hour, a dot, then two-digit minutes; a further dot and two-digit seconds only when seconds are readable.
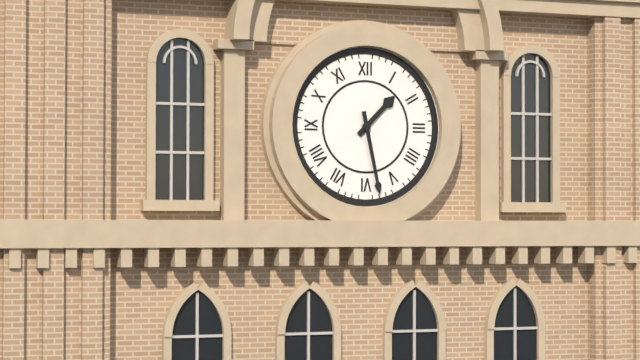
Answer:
1.28
